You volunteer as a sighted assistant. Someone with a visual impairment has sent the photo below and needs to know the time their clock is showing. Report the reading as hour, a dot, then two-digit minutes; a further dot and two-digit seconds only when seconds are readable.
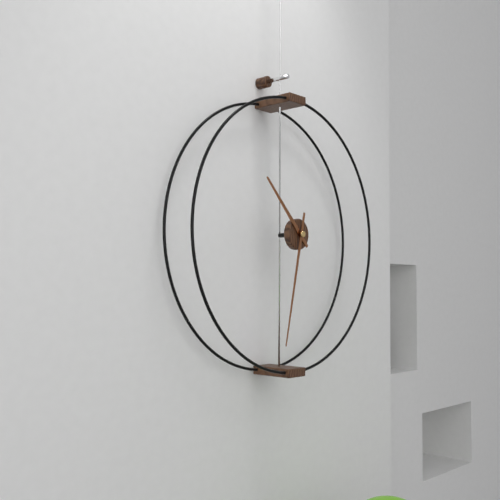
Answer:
10.32
